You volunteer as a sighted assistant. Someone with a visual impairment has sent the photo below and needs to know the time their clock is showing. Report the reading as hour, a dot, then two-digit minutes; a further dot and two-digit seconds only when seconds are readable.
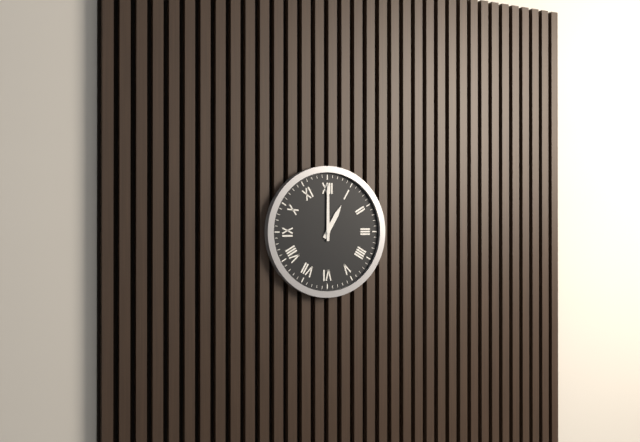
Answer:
1.00
